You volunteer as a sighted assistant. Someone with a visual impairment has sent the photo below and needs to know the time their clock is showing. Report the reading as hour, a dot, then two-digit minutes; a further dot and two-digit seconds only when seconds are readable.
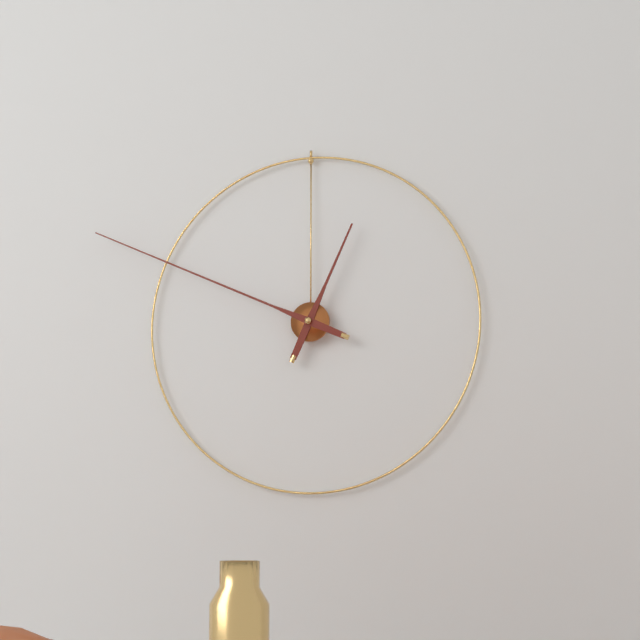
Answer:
12.49
